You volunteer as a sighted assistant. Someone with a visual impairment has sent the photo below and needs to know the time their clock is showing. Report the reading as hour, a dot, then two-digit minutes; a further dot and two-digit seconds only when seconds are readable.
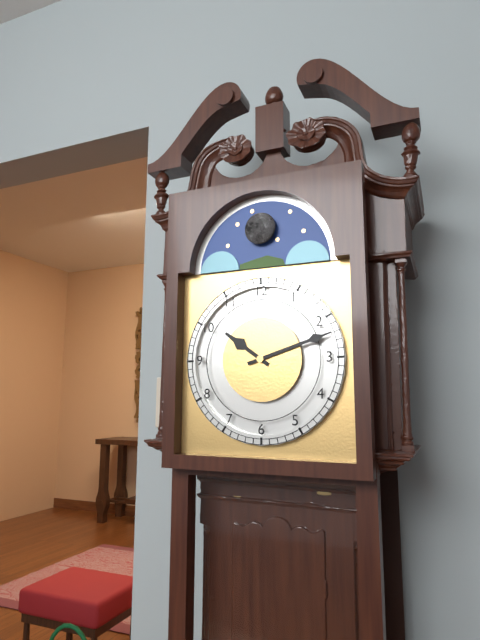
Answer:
10.12
